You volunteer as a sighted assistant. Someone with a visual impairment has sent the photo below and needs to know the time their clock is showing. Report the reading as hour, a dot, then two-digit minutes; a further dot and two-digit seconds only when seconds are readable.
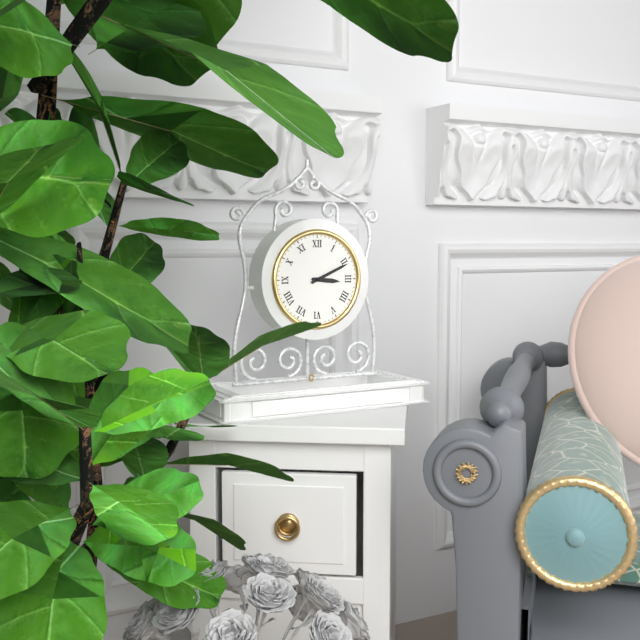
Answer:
3.11
